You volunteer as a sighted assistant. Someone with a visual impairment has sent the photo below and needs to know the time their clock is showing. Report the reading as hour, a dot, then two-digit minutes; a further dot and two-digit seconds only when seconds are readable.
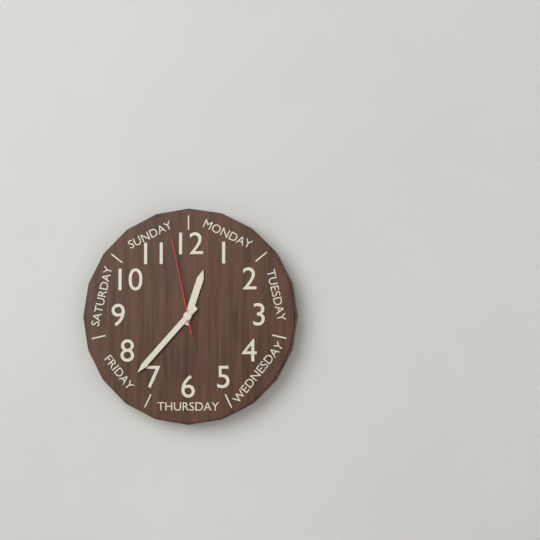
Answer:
12.37.58
